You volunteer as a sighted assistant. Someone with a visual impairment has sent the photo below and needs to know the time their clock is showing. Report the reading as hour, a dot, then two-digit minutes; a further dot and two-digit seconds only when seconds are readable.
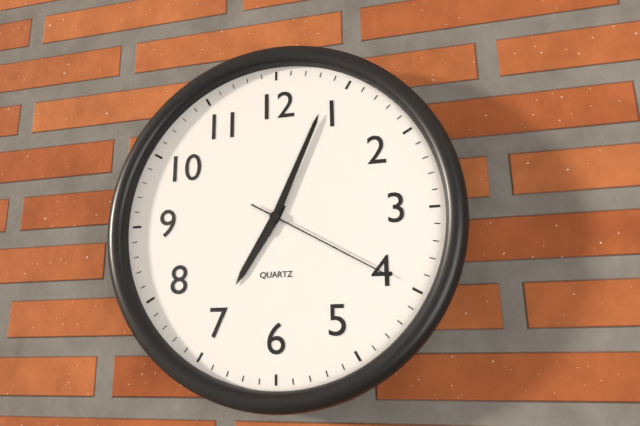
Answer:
7.04.20
